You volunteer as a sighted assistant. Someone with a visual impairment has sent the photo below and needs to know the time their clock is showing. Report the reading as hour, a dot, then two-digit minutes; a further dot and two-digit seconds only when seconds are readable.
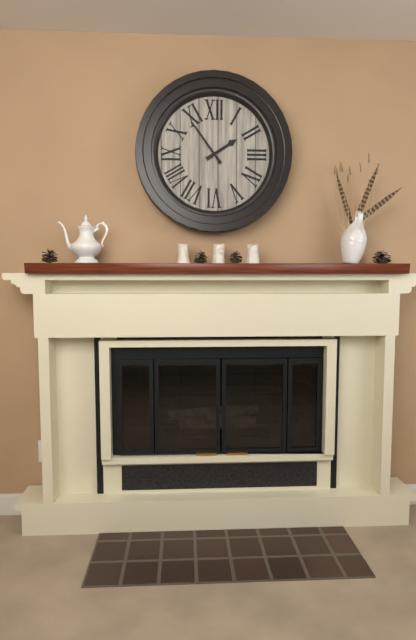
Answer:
1.54
